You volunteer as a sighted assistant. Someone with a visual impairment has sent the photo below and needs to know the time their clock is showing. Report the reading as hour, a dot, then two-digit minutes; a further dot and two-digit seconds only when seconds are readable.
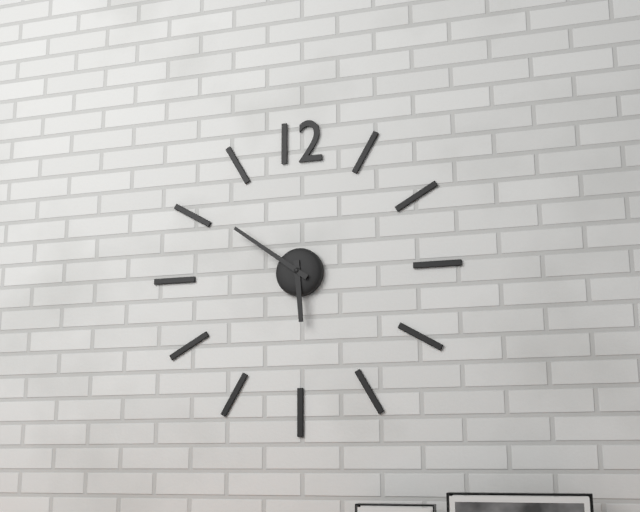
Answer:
5.51
